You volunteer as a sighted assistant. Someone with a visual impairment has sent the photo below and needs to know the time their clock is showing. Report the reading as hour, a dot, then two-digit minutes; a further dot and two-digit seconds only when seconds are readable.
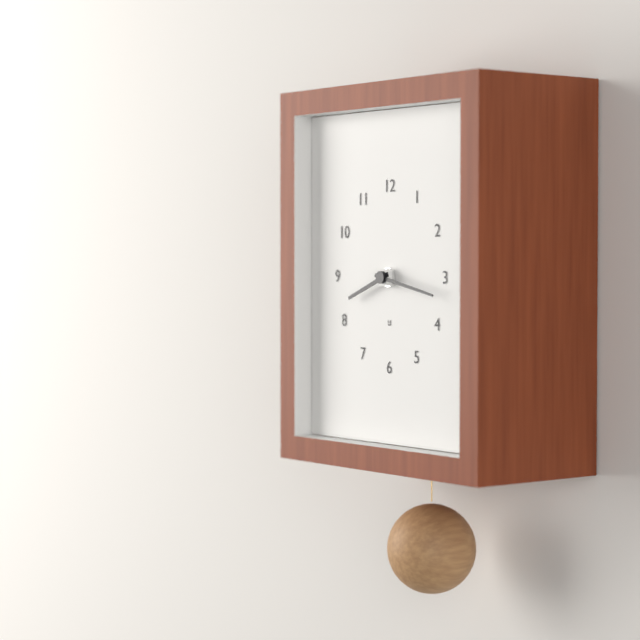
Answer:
8.17
